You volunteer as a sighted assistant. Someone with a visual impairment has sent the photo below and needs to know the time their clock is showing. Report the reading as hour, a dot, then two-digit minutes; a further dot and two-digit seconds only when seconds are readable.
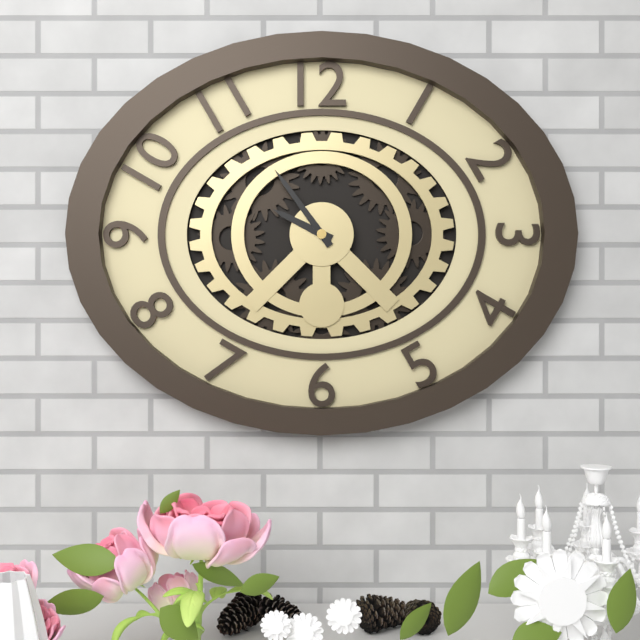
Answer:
9.54
